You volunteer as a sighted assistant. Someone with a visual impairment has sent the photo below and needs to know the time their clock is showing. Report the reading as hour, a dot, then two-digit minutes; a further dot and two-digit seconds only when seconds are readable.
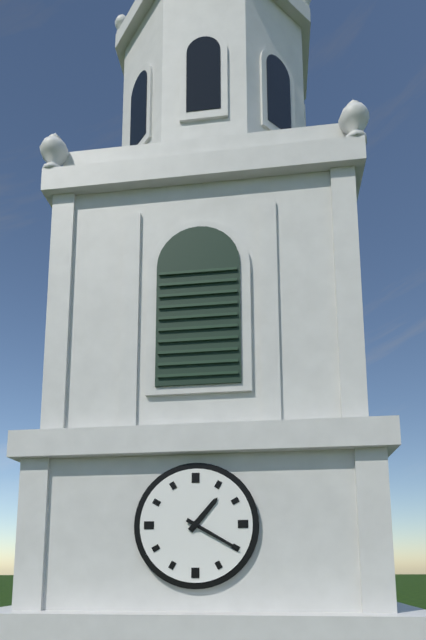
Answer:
1.20
